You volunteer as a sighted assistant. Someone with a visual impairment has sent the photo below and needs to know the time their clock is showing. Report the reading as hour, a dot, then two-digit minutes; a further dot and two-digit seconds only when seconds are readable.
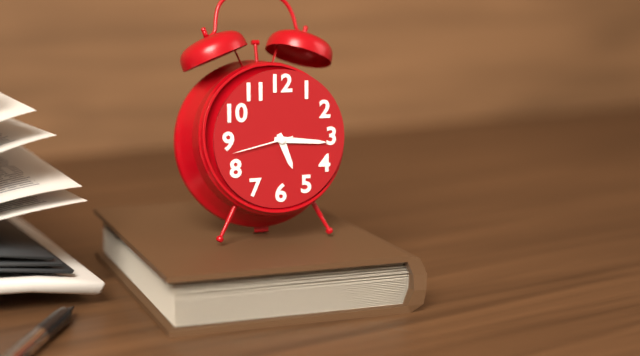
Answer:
5.16.43
